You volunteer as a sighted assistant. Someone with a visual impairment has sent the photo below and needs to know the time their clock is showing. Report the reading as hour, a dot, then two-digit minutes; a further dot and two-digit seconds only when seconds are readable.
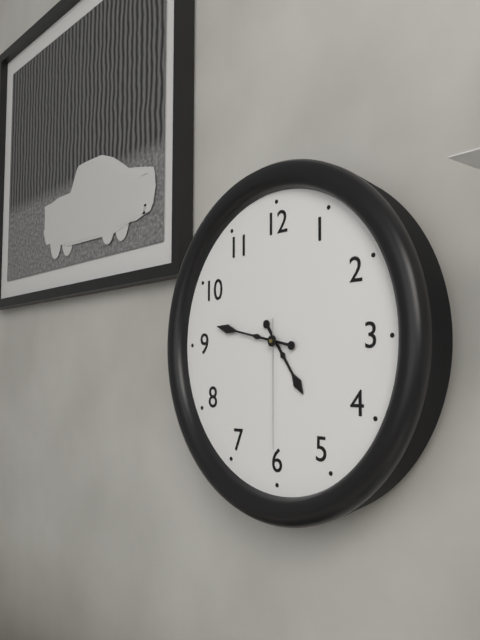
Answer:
4.47.30
